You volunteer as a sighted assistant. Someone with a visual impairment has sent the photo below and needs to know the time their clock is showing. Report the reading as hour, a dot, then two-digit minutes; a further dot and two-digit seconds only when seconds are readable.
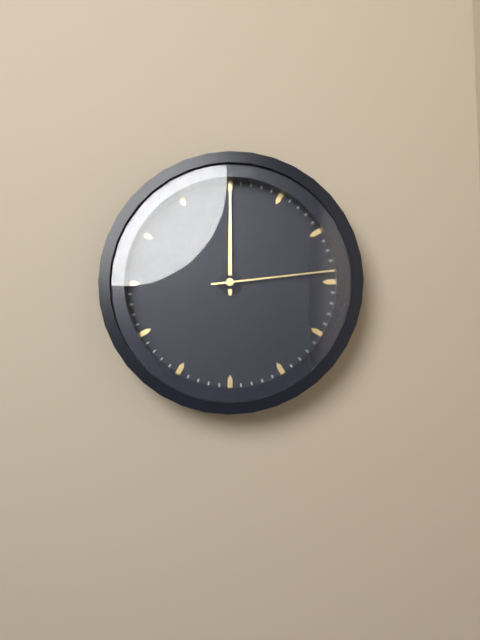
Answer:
12.00.14
